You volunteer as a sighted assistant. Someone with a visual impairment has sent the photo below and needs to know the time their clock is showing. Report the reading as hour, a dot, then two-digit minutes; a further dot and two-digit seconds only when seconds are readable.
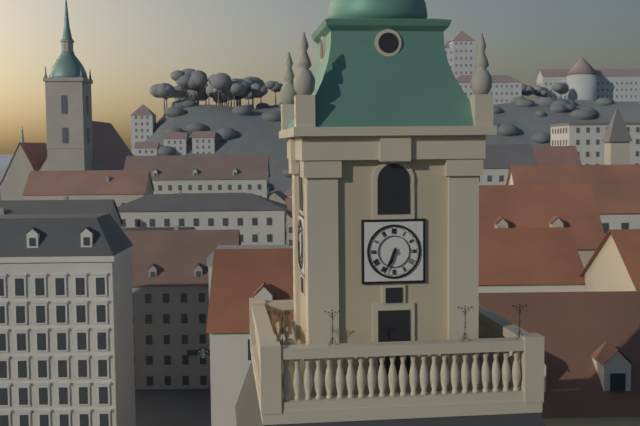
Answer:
6.34
